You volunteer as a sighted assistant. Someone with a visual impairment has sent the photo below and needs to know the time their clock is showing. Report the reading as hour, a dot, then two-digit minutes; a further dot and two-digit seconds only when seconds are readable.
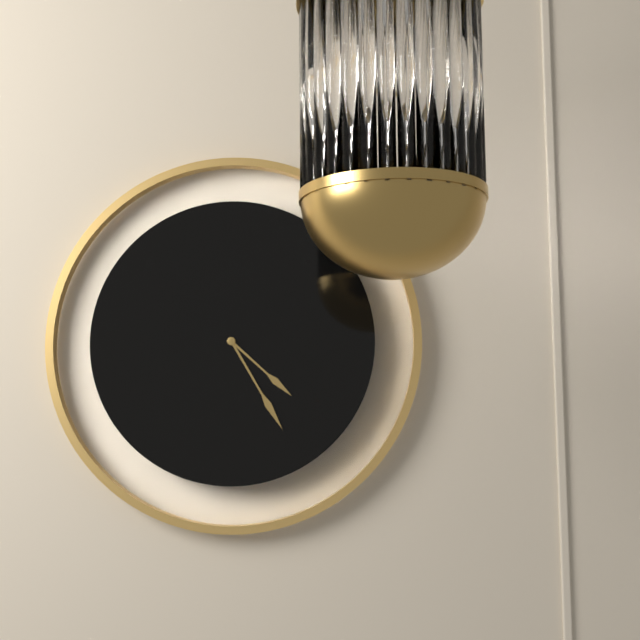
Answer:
4.25
